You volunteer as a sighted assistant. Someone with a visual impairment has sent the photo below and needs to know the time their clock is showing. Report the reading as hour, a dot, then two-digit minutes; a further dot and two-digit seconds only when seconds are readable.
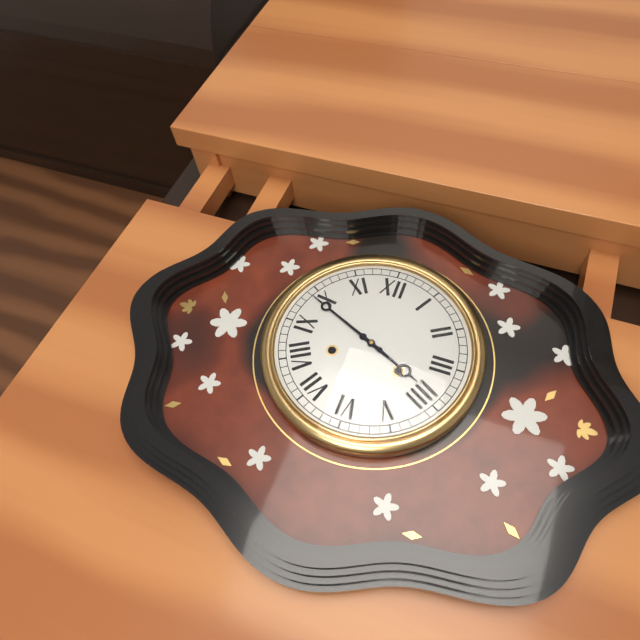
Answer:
3.49
